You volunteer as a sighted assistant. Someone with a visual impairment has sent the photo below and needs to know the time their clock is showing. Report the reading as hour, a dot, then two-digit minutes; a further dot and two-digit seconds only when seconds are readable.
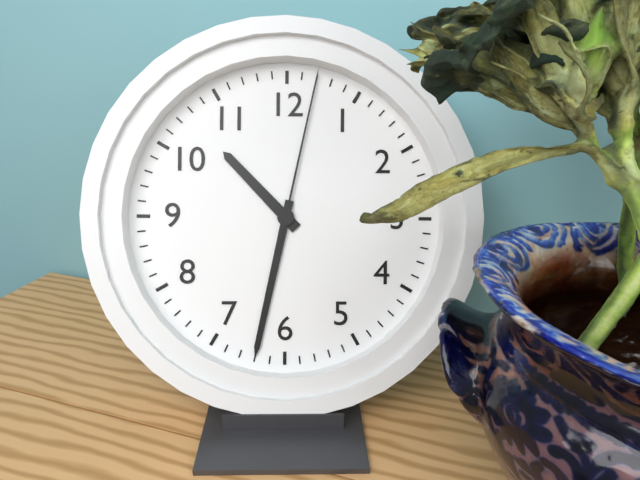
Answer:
10.32.02
